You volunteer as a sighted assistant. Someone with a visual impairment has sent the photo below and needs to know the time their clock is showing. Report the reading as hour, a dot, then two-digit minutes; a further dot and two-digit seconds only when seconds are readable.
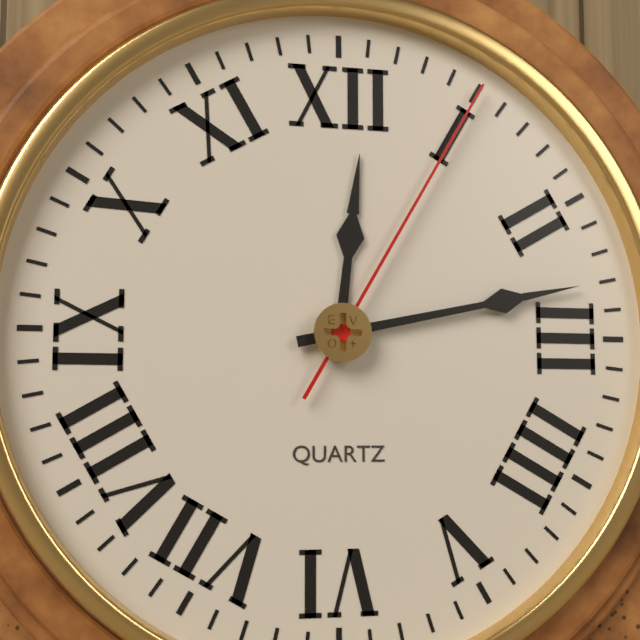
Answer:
12.13.05
